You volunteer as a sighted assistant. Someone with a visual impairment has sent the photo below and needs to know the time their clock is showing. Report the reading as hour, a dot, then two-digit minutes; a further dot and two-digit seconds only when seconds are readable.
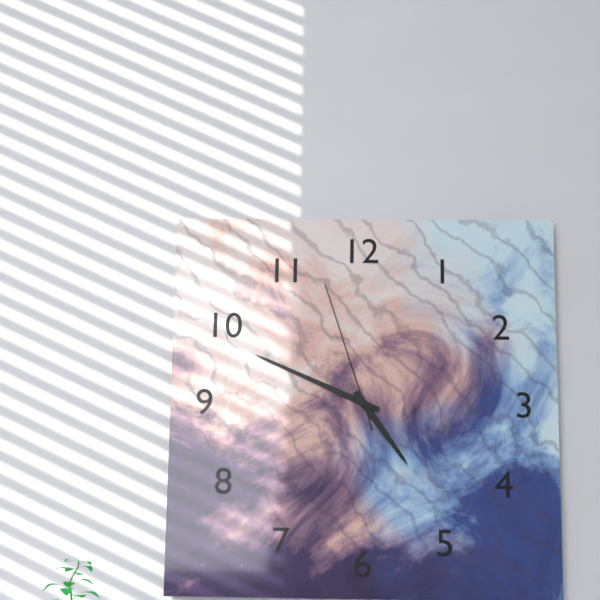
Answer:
4.49.57
